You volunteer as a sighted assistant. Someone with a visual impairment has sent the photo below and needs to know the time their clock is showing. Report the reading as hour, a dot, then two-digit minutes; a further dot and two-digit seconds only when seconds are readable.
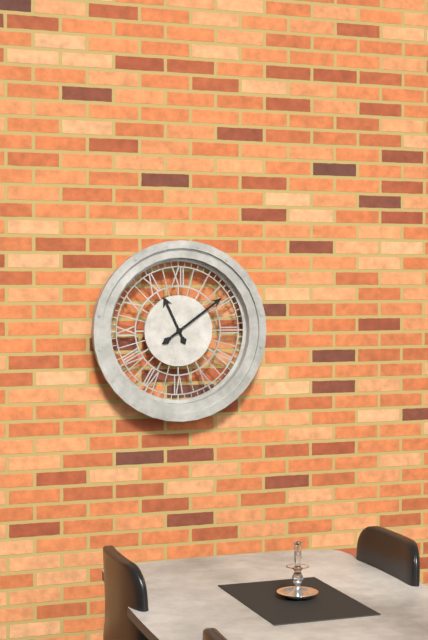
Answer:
11.09
